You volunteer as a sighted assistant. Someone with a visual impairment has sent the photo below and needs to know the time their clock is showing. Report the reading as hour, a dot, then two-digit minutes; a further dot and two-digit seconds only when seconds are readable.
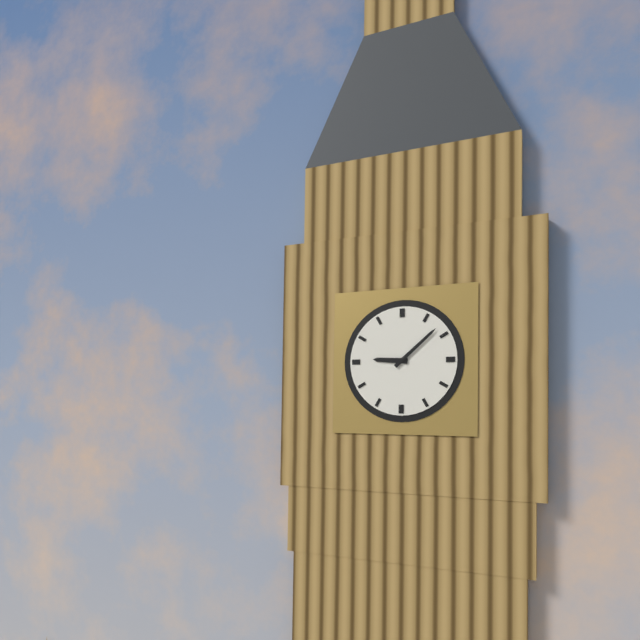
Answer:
9.08
